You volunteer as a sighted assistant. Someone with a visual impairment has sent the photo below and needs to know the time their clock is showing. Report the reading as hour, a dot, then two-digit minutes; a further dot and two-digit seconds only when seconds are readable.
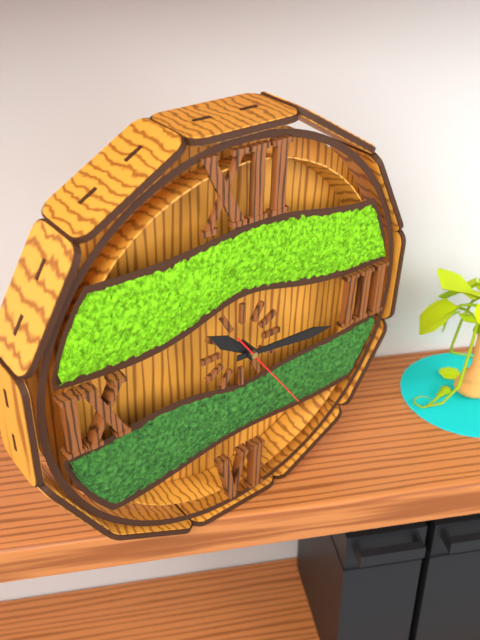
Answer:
10.16.24
